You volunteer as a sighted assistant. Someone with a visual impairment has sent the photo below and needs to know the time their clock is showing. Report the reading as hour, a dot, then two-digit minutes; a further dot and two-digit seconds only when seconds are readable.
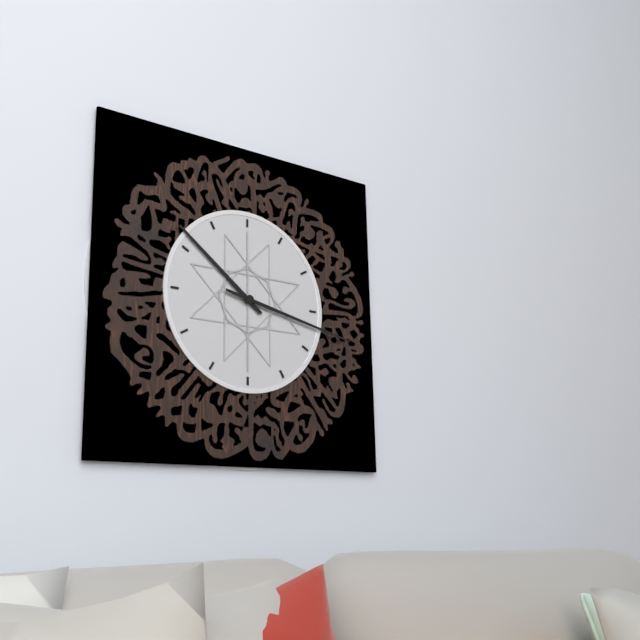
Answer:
10.17
